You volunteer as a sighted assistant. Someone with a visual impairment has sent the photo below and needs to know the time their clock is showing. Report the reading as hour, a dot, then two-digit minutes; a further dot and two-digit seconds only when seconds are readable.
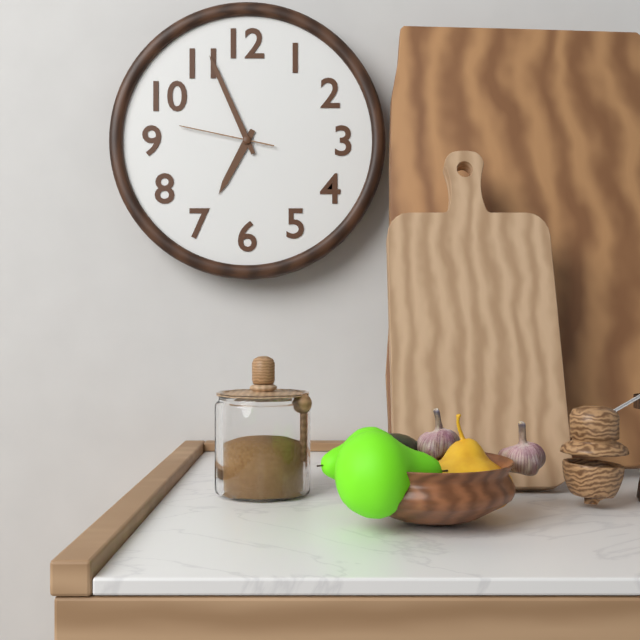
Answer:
6.56.47
